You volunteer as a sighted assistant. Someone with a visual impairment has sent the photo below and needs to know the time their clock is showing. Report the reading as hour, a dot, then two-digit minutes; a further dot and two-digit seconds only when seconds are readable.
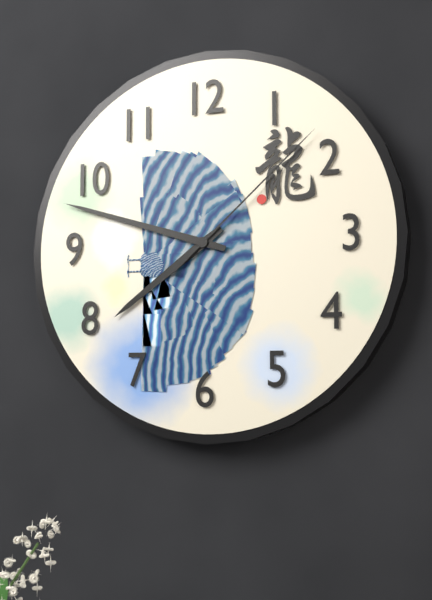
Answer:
7.48.08
